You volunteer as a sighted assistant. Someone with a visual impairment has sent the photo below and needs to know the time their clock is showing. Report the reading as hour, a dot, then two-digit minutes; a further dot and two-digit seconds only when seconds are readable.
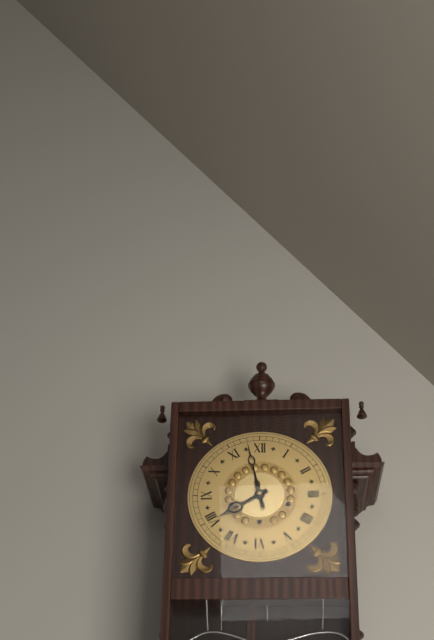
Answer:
7.58
